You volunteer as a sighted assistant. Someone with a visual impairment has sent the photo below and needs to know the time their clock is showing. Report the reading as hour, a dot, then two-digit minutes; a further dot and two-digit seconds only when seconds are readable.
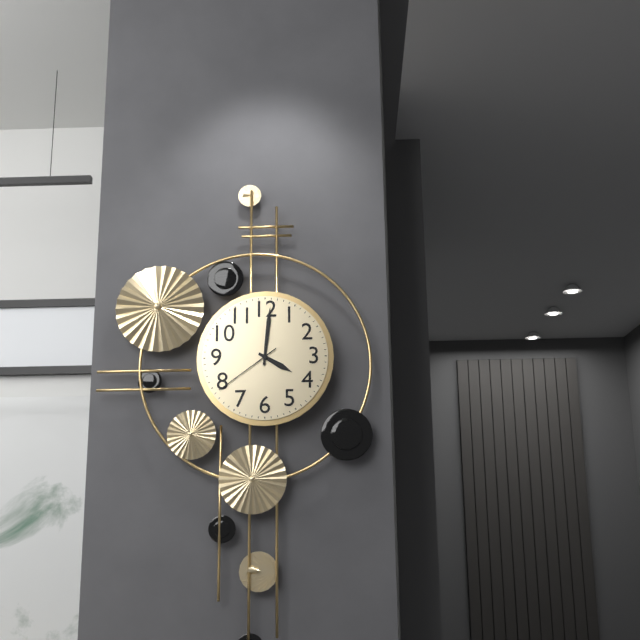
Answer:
4.01.39
